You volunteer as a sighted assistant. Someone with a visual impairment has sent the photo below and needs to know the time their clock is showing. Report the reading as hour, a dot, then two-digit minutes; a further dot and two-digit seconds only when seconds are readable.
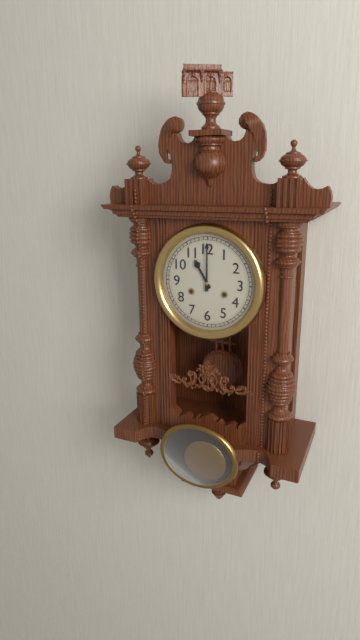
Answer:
11.00
